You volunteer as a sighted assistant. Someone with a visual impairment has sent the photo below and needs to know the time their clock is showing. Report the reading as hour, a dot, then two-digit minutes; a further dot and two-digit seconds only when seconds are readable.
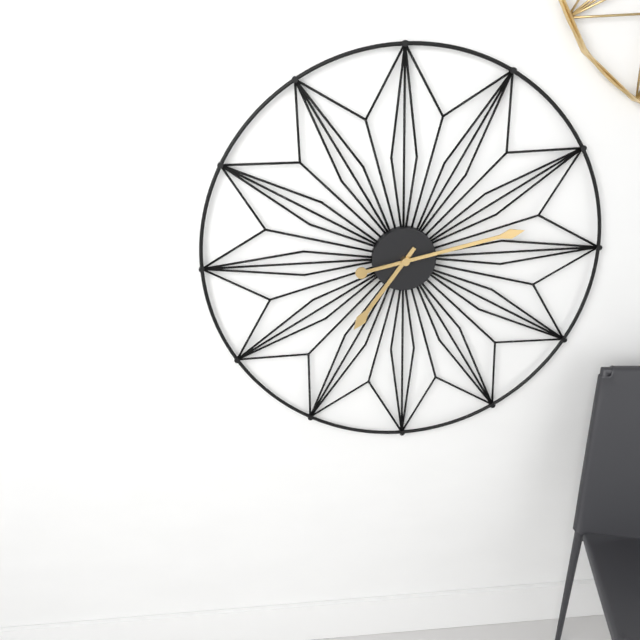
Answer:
7.13
